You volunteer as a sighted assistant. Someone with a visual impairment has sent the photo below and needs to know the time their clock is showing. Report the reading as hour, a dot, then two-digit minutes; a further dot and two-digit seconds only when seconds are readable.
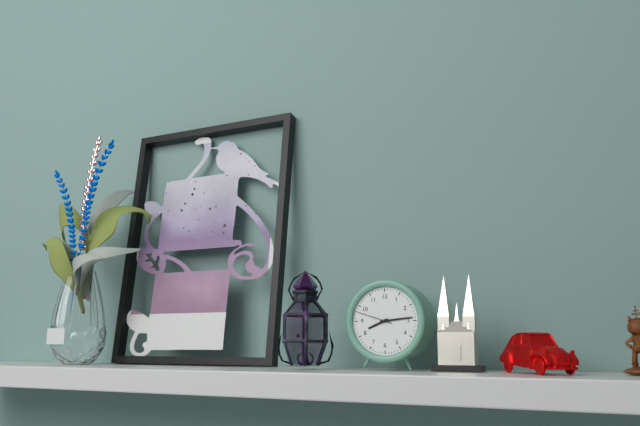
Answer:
8.14
